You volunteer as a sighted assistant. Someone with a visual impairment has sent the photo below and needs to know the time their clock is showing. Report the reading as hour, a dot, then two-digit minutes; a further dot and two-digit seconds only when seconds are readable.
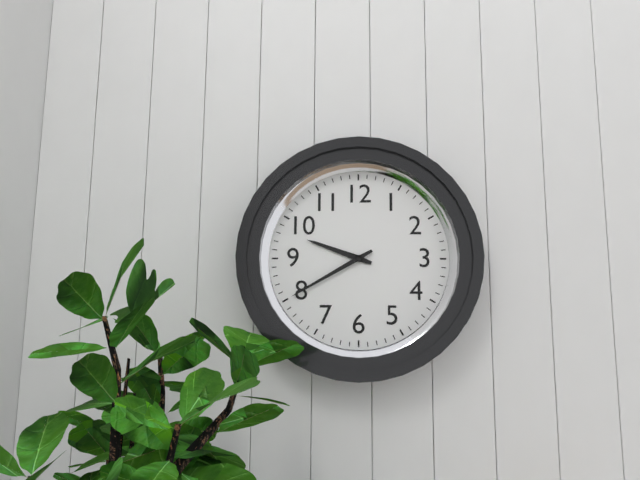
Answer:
9.40
